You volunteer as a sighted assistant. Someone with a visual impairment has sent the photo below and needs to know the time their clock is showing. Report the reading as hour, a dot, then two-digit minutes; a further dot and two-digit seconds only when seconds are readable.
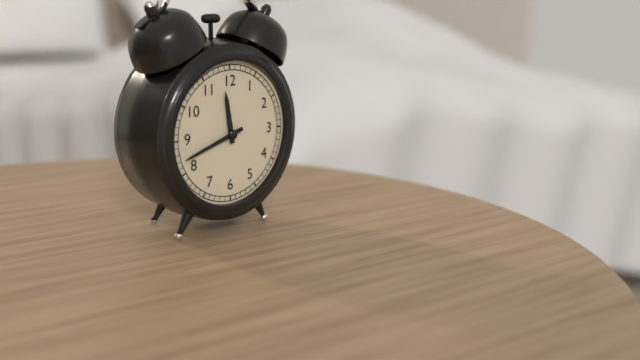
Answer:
11.42
